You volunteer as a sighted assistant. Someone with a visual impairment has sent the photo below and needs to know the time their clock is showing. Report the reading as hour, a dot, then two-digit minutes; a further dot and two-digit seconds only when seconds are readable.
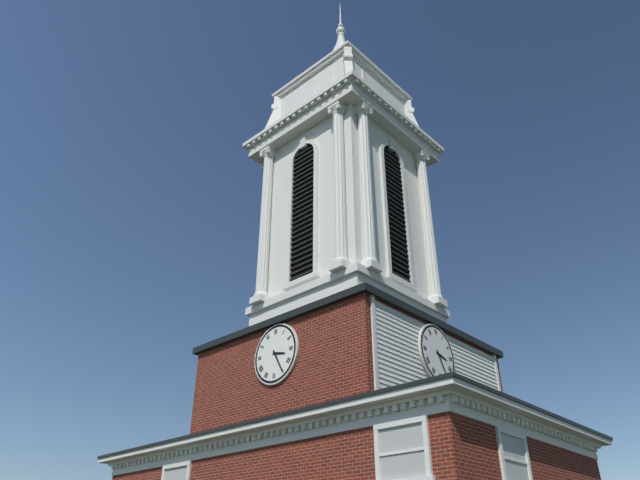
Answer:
3.25
